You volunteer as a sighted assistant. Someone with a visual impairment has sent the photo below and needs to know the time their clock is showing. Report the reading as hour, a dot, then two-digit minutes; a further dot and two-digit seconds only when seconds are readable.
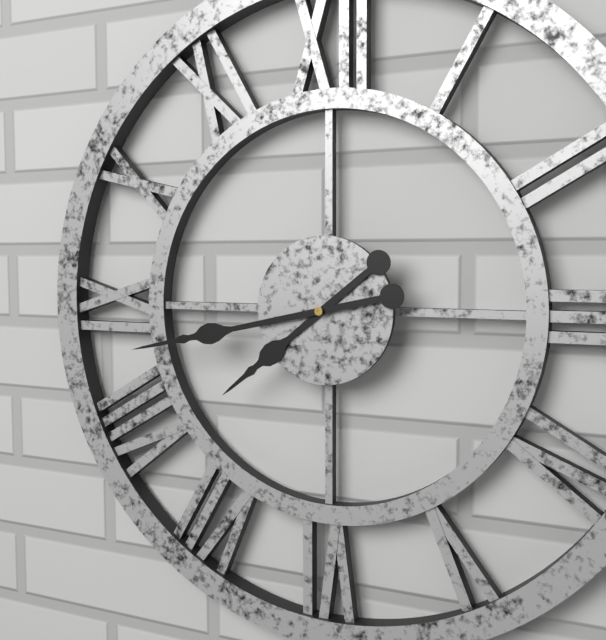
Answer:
7.43
